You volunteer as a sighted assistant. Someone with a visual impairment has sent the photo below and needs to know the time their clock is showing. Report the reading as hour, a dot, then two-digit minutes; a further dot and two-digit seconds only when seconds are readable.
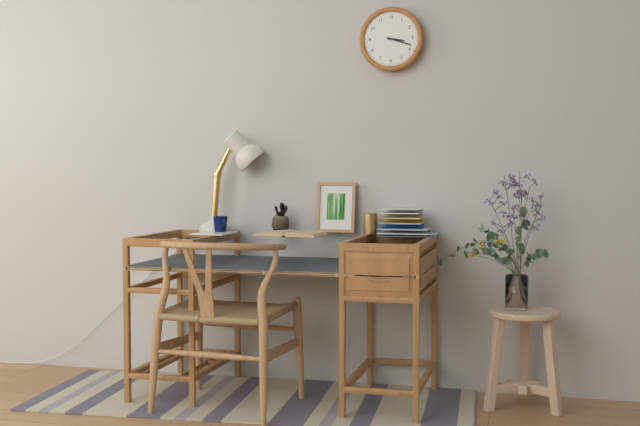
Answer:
3.18
